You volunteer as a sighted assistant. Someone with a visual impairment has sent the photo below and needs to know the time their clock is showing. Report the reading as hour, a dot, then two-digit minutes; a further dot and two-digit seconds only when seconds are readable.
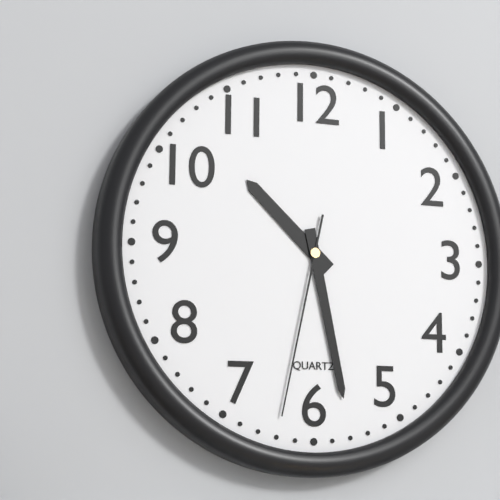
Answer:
10.28.32
